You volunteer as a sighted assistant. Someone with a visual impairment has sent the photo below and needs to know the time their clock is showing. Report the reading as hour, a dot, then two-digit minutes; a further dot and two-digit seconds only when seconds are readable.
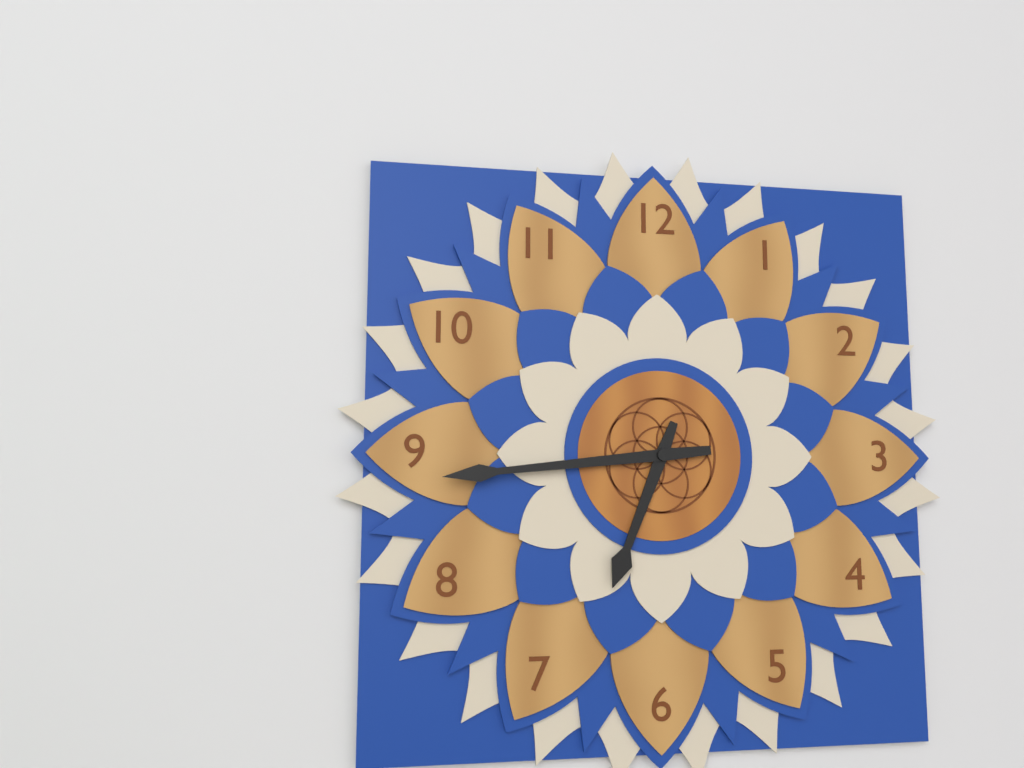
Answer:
6.44
